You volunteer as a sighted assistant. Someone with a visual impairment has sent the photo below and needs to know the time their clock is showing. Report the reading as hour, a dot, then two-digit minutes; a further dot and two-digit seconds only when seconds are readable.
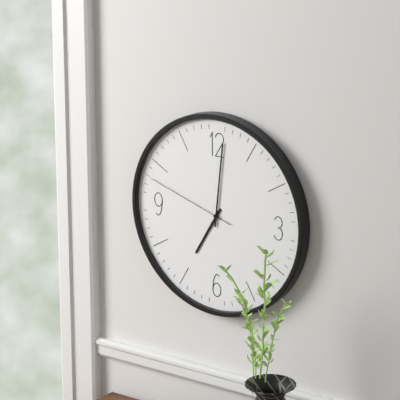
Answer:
7.01.48
